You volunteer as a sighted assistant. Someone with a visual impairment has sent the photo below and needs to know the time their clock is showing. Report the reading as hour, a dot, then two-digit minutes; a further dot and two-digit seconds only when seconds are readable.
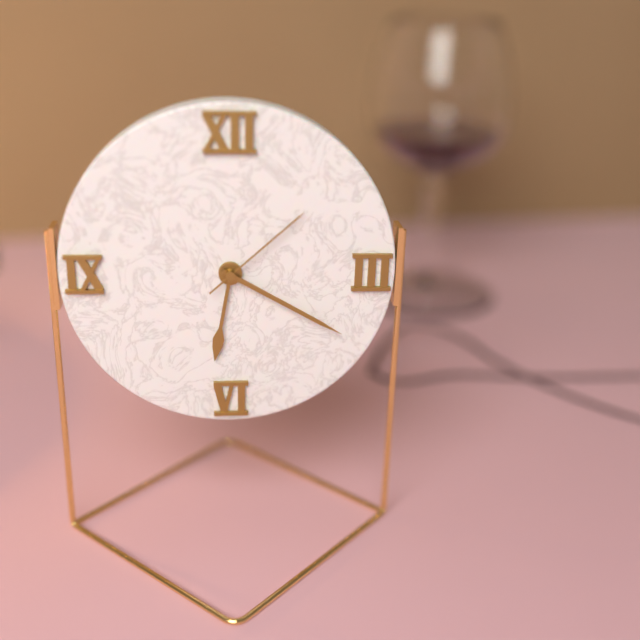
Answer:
6.20.08
